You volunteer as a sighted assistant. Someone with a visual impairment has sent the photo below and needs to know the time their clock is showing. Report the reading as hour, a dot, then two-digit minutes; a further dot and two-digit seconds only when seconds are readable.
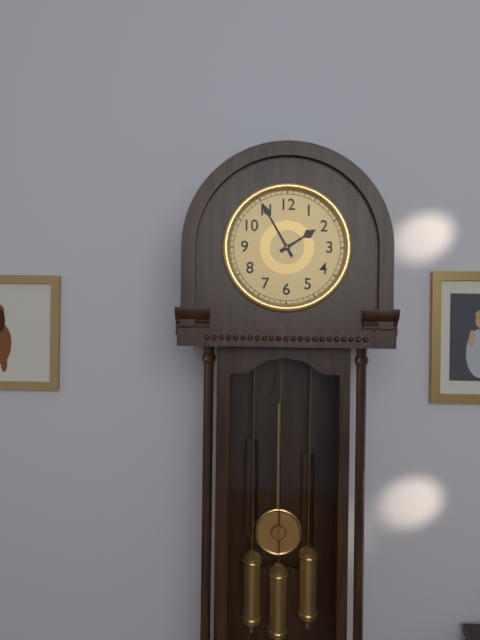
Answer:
1.55
